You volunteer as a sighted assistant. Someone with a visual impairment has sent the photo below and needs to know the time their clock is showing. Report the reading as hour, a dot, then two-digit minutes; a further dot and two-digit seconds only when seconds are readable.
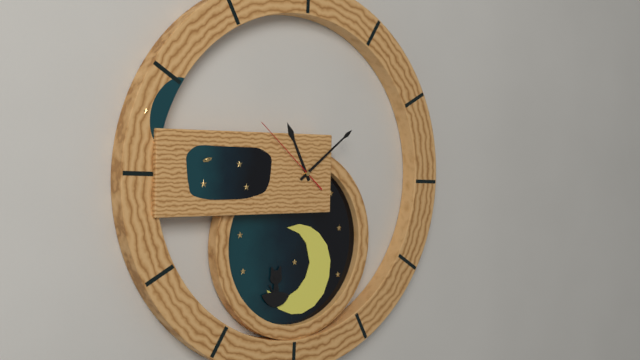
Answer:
11.09.52
